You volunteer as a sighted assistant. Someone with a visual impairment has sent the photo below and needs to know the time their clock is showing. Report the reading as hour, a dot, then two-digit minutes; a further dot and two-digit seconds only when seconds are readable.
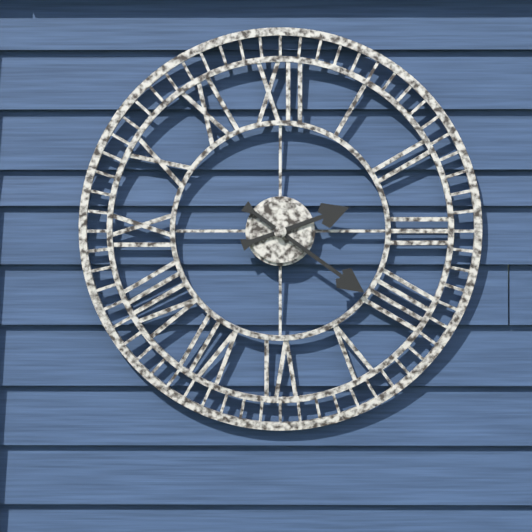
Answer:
2.21
